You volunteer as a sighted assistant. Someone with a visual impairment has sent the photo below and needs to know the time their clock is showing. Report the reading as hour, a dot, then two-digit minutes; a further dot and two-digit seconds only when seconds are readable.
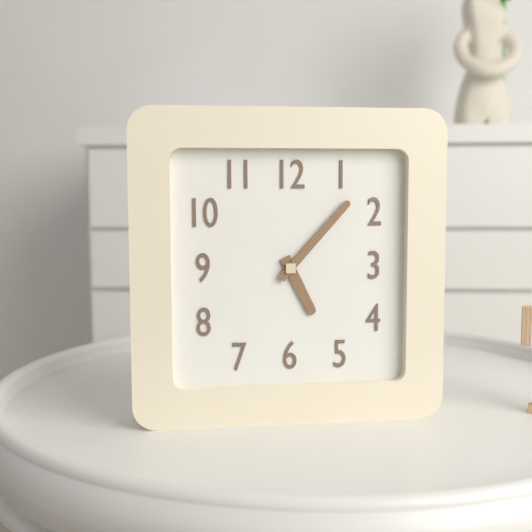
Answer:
5.07
